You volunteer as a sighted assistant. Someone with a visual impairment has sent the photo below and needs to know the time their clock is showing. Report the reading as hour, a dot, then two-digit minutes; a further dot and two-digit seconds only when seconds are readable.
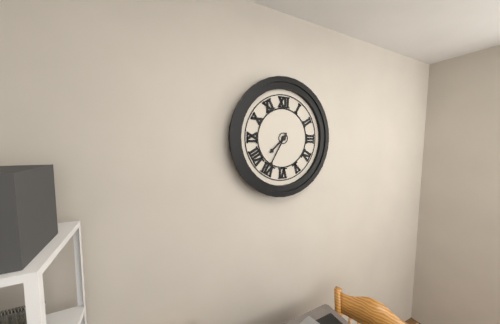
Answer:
7.35
